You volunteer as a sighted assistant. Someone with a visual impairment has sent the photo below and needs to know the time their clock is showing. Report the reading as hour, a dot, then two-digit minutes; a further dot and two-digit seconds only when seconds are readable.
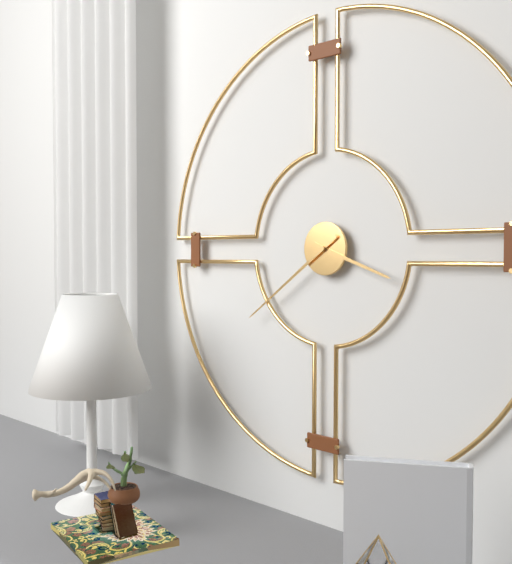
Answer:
3.39
